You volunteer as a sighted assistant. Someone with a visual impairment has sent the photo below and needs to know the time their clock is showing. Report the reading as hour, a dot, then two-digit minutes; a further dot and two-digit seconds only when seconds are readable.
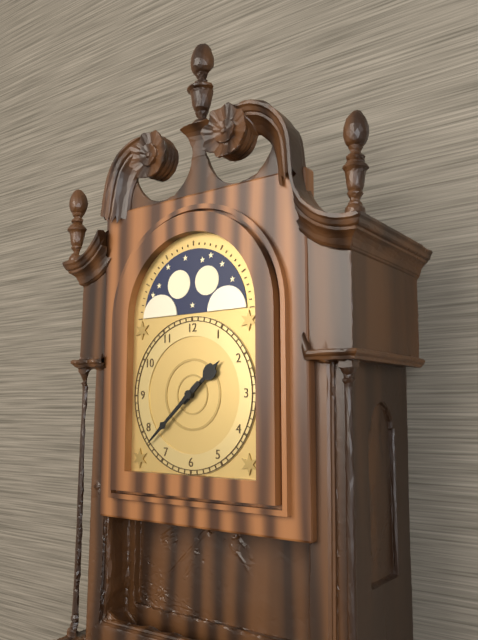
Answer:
1.38
